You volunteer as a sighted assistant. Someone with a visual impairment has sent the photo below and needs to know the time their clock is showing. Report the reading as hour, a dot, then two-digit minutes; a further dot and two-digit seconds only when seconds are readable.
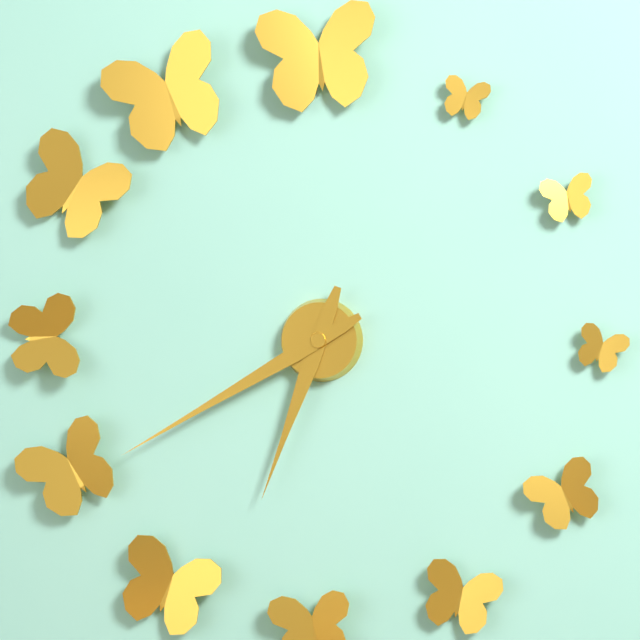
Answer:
6.40
